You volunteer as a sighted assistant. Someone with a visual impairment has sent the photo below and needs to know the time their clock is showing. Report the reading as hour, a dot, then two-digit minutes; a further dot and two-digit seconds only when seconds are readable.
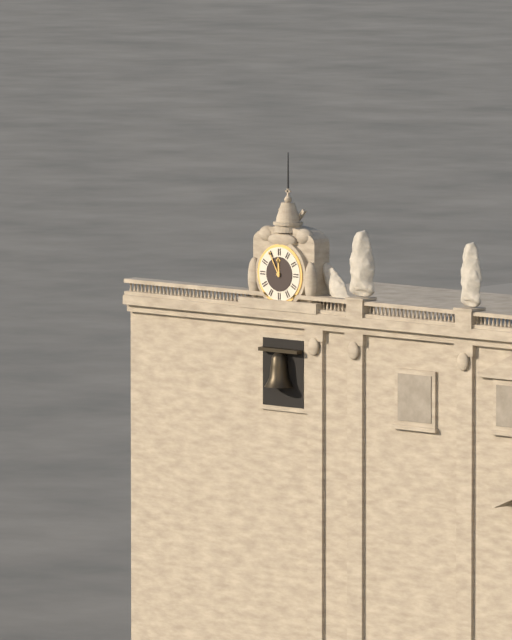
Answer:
11.55
